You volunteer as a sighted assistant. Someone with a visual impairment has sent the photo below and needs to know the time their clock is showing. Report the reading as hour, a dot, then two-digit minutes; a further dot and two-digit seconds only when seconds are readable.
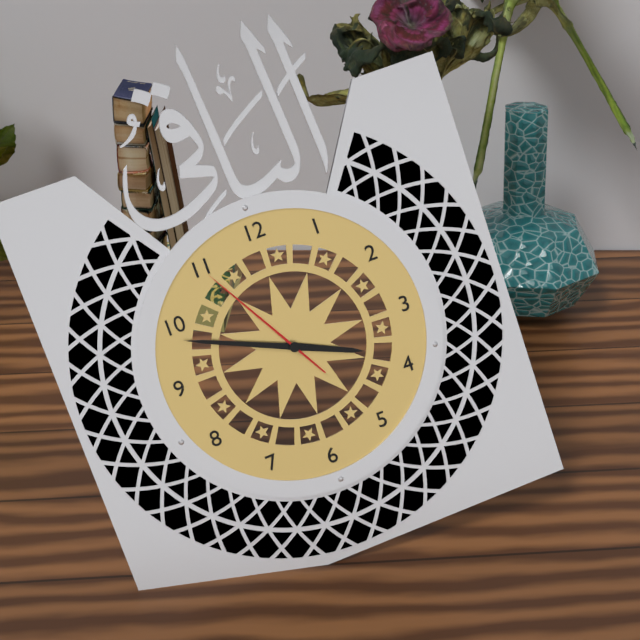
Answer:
3.49.55
